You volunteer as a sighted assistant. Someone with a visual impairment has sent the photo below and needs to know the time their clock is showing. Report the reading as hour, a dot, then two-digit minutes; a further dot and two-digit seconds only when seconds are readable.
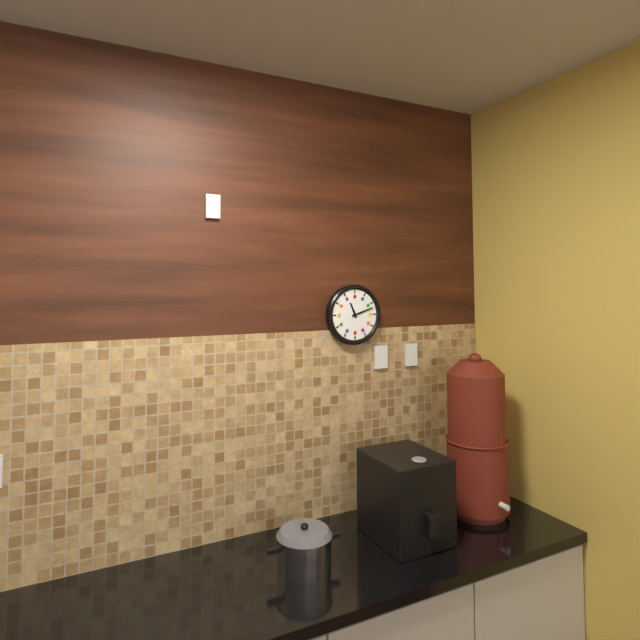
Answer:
11.12
